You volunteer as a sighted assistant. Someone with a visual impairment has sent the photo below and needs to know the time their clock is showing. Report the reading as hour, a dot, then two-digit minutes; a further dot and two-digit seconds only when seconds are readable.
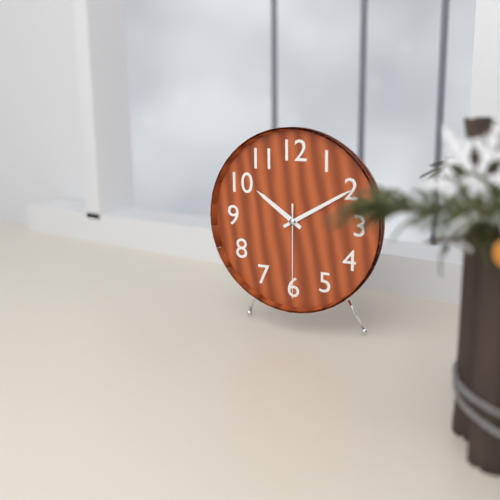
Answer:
10.10.30
